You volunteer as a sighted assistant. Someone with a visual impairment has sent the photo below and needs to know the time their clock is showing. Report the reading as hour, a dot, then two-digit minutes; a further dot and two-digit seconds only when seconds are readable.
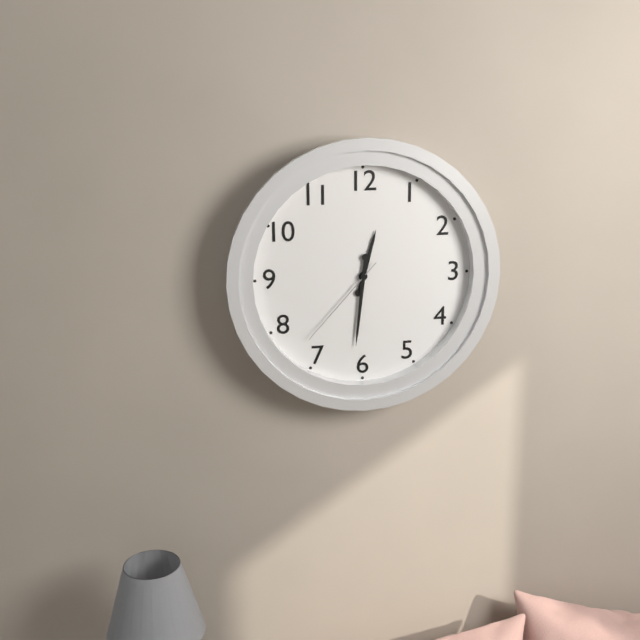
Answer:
12.31.37
